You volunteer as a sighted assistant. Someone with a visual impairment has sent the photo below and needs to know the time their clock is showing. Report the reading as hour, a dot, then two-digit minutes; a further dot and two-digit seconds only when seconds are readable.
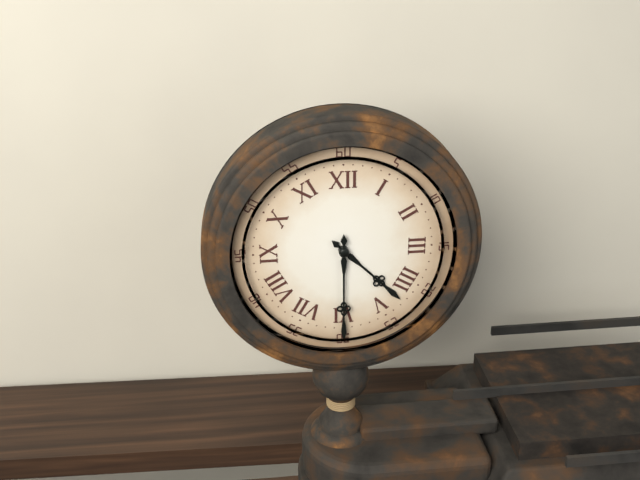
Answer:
4.30
